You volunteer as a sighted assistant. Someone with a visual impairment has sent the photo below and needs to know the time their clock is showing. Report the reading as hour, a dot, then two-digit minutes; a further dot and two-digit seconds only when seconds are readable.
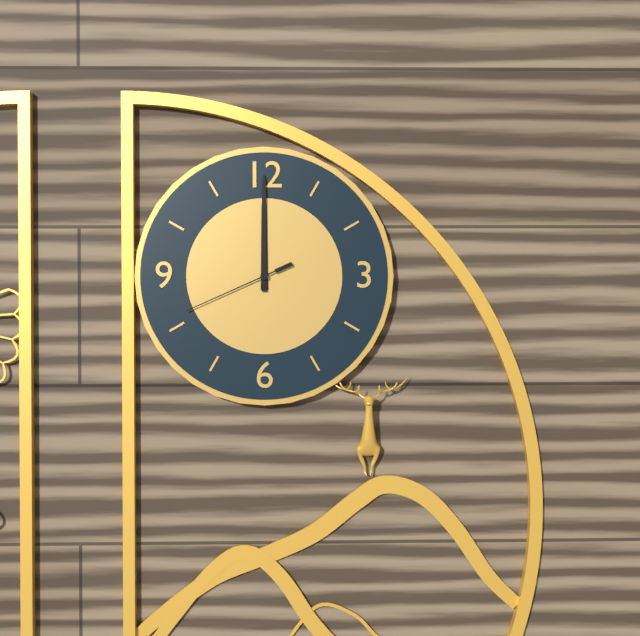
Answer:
12.00.41
